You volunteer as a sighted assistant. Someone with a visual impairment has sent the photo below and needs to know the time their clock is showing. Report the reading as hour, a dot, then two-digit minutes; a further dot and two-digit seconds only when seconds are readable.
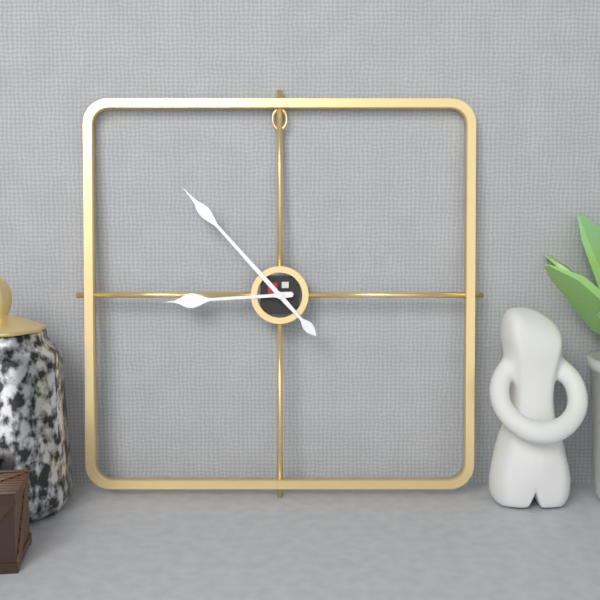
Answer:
8.53
